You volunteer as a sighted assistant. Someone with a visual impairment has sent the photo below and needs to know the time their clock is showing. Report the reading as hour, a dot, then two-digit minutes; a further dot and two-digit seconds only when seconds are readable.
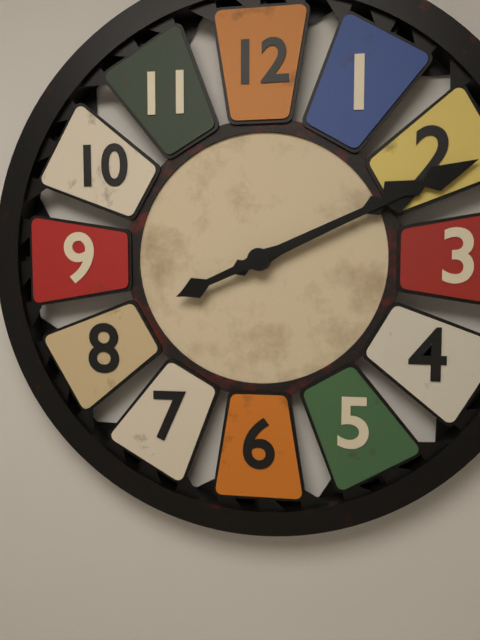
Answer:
2.11
